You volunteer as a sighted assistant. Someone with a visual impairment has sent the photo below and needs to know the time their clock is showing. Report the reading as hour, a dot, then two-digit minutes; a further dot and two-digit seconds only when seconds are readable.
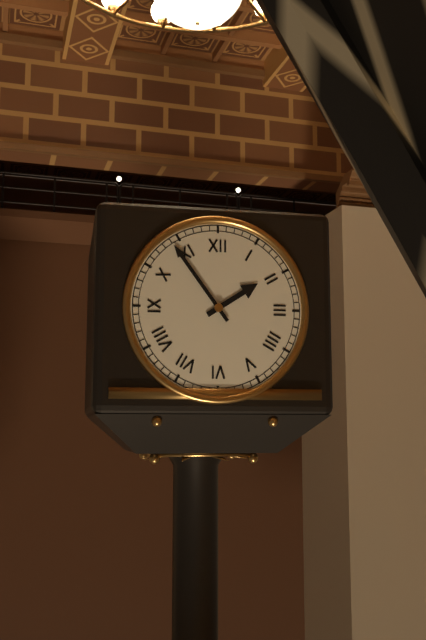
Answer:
1.54
